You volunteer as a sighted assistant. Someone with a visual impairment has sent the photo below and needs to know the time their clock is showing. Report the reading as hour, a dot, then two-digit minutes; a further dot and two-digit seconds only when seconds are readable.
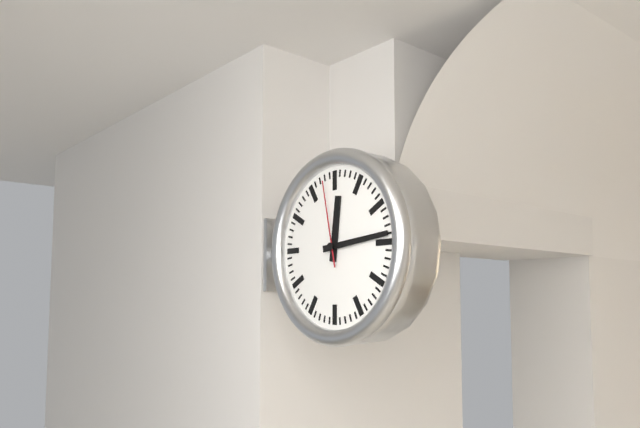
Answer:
12.14.58
